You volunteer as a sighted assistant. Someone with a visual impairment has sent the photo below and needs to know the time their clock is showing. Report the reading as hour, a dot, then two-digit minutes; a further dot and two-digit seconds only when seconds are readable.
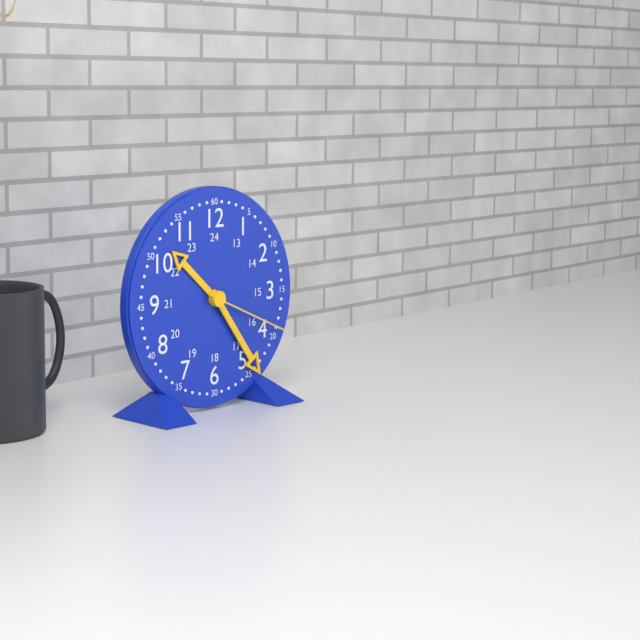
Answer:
10.24.19
